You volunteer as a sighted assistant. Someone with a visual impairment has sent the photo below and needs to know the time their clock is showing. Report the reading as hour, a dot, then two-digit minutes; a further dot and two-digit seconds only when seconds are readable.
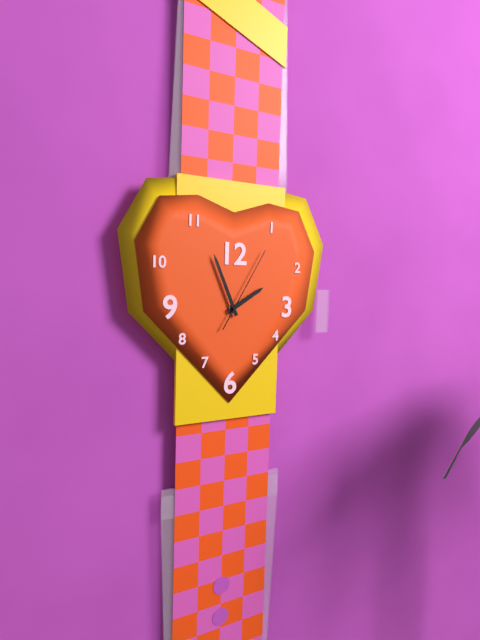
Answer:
1.56.05
